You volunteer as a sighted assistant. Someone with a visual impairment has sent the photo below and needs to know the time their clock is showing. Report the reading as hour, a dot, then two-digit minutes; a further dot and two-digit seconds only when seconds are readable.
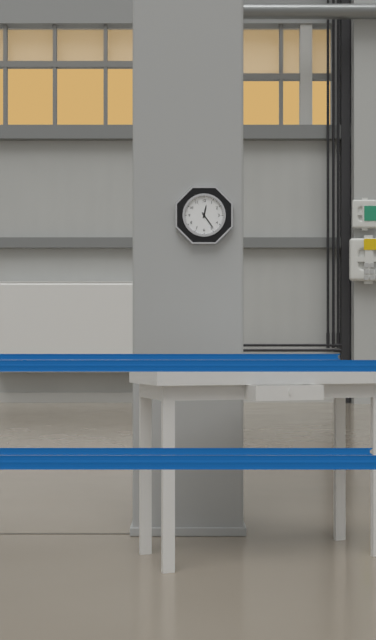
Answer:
12.24
